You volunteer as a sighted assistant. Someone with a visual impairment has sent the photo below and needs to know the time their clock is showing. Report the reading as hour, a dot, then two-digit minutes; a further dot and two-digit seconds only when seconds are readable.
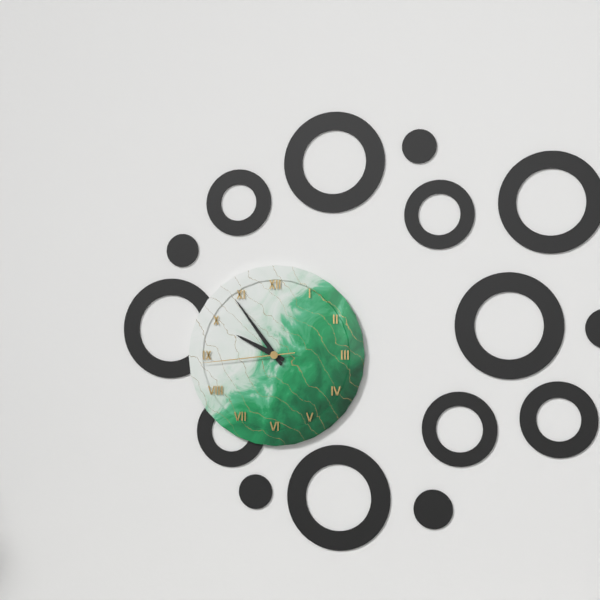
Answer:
9.54.44
